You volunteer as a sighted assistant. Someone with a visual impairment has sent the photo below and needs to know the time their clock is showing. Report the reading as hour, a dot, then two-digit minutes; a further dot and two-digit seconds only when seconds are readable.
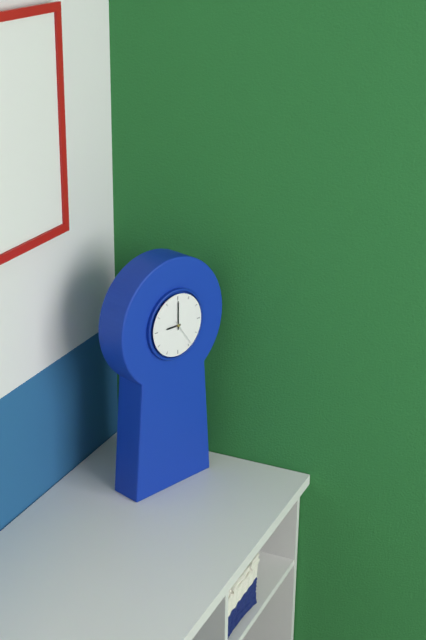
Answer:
9.00
